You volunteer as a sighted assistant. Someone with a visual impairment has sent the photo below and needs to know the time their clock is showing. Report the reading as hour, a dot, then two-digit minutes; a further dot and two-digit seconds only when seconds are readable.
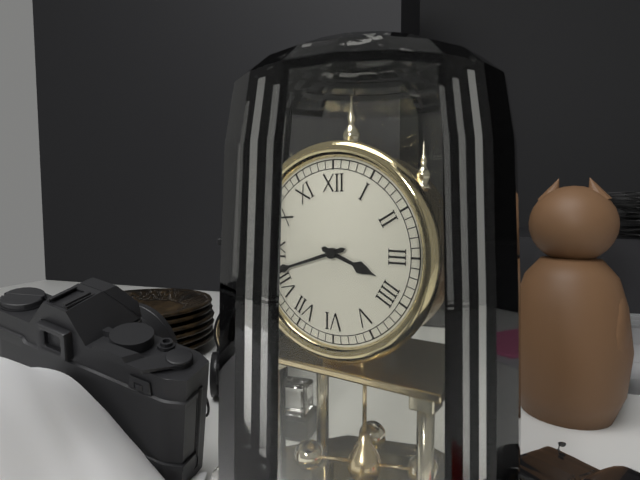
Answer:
3.42
